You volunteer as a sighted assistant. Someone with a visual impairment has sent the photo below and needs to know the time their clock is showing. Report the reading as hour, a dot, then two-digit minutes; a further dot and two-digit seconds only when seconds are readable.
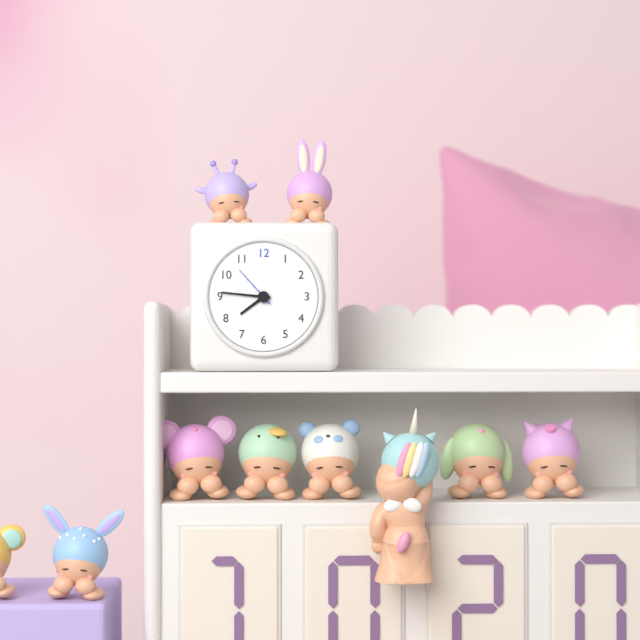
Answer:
7.46
